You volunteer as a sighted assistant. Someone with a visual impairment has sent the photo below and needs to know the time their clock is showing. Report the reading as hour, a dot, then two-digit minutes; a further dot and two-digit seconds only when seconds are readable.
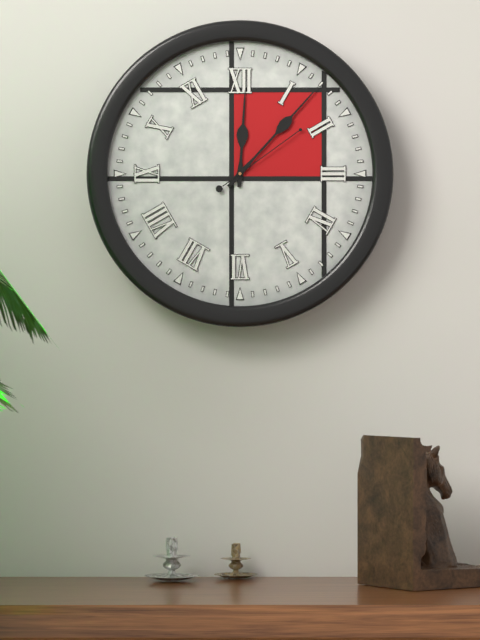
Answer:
12.07.09
